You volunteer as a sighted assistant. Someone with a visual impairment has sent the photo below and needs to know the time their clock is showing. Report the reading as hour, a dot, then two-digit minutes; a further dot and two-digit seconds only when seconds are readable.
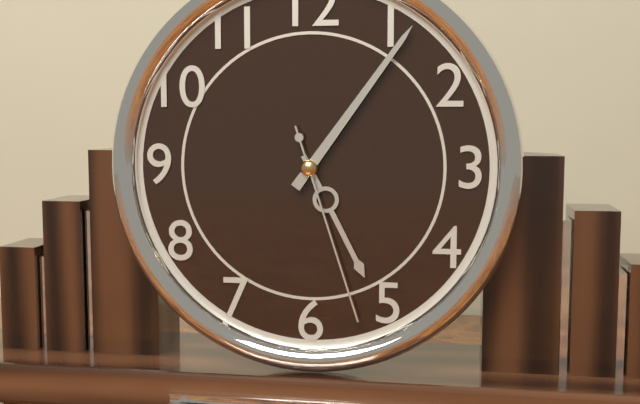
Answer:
5.06.27
